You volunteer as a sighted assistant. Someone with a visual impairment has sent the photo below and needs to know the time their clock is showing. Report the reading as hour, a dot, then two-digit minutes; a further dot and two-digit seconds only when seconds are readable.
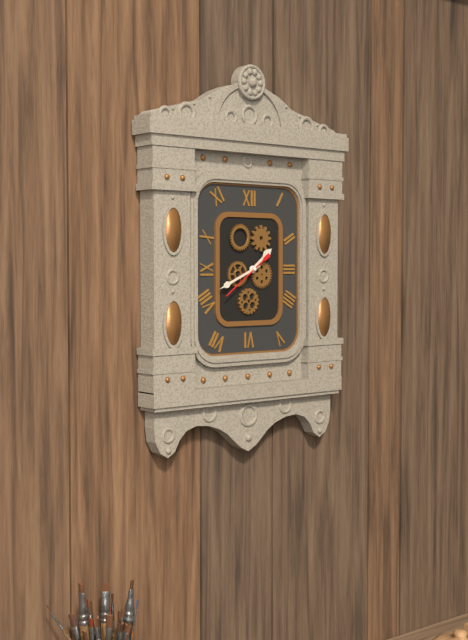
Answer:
1.41
